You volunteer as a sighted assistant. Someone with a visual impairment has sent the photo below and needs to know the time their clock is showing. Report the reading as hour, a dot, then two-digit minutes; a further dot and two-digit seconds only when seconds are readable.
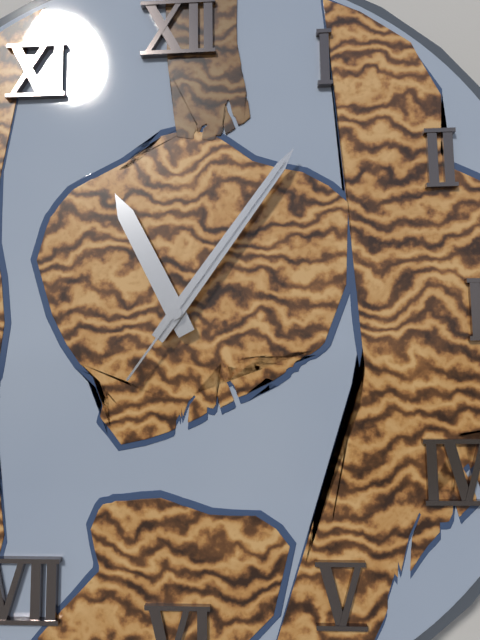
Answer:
11.06.06
